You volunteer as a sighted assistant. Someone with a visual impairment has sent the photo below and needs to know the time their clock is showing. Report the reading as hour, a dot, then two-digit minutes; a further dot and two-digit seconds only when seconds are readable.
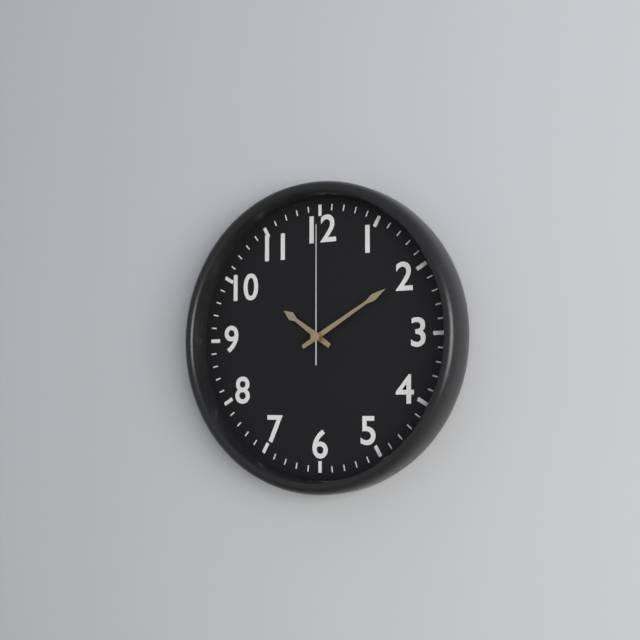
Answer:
10.10.00
